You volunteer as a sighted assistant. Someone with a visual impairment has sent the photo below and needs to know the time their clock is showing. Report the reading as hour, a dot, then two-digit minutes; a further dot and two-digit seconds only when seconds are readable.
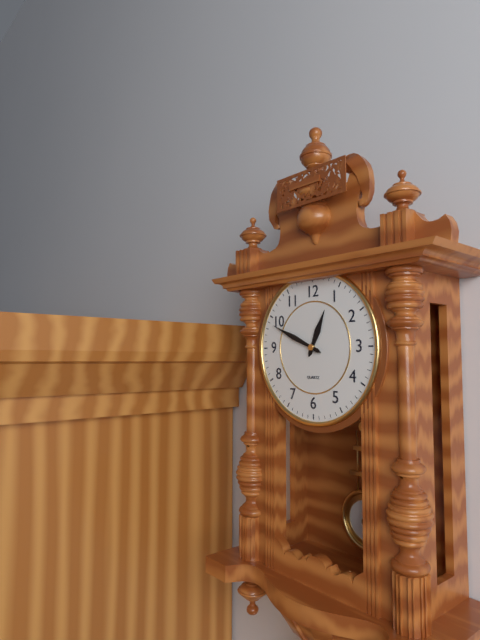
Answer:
12.49
